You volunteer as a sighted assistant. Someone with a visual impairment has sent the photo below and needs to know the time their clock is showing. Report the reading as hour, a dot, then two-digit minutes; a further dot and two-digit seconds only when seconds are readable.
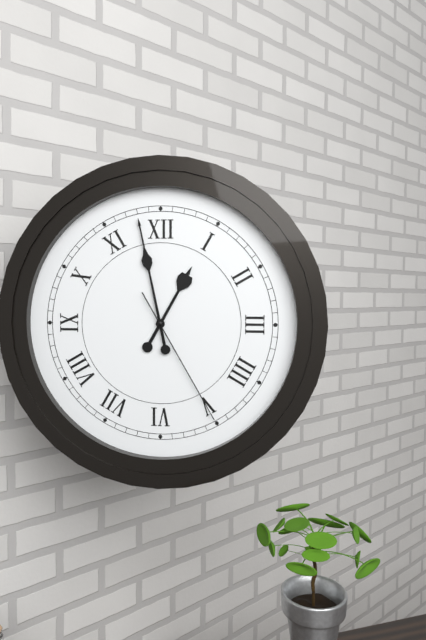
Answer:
12.58.25
